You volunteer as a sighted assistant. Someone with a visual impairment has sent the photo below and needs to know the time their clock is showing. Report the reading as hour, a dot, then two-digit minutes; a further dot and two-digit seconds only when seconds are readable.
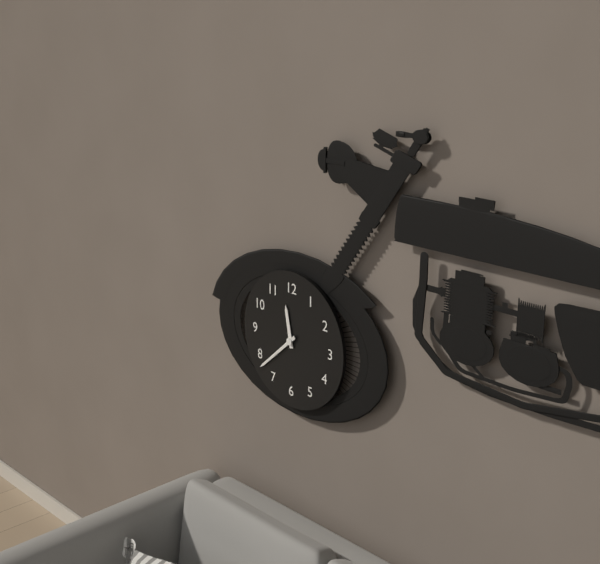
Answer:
11.38
